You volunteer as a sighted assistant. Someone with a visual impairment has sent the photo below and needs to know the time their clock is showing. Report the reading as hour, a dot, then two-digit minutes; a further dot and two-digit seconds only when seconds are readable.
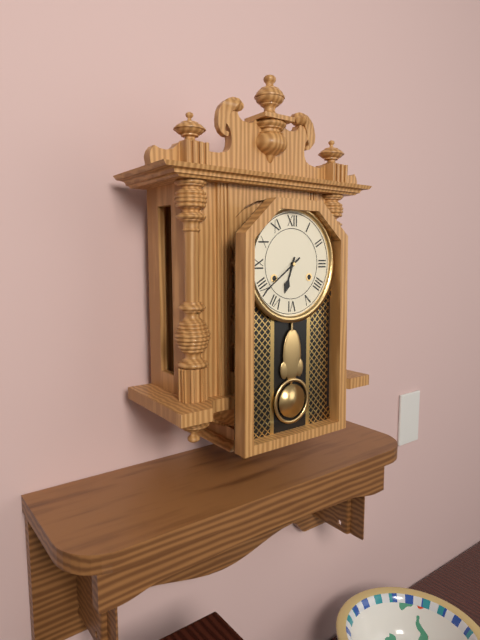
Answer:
6.39
